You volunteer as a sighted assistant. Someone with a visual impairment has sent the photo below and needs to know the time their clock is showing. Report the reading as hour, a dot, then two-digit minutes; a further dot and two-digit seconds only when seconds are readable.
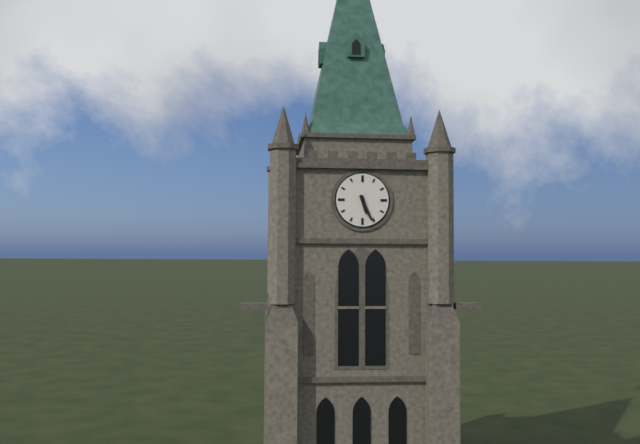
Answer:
5.26
